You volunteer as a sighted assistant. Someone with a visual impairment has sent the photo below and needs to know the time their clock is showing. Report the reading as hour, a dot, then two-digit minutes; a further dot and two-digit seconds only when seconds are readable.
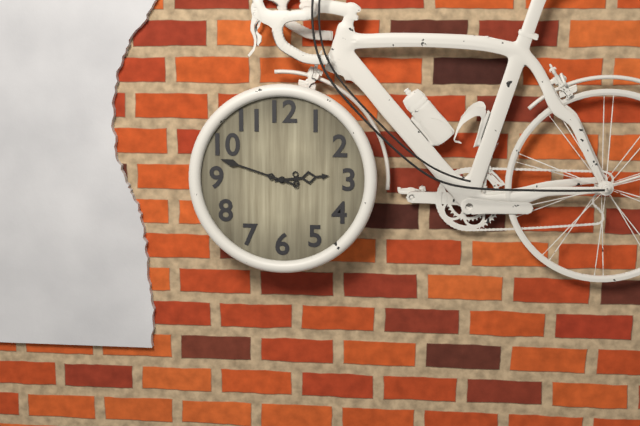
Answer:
2.48
